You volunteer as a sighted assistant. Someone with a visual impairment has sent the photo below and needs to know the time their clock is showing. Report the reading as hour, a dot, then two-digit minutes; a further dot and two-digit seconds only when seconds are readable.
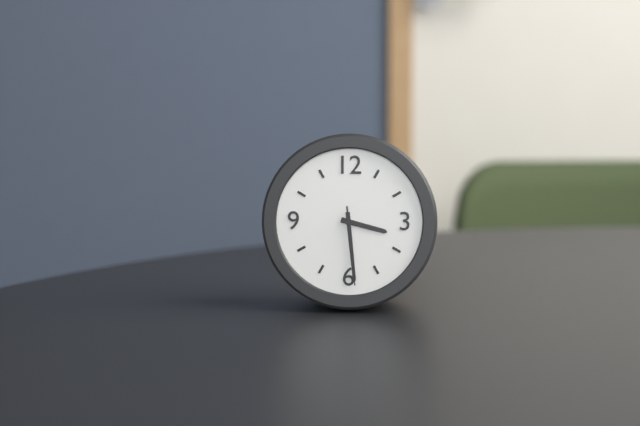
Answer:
3.29.29
